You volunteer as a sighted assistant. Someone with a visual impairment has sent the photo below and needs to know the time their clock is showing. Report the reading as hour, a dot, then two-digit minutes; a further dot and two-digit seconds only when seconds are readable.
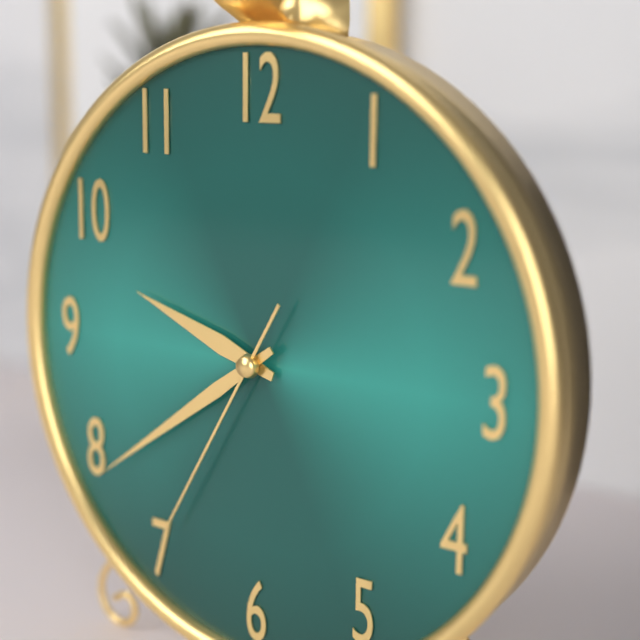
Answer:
9.39.35
